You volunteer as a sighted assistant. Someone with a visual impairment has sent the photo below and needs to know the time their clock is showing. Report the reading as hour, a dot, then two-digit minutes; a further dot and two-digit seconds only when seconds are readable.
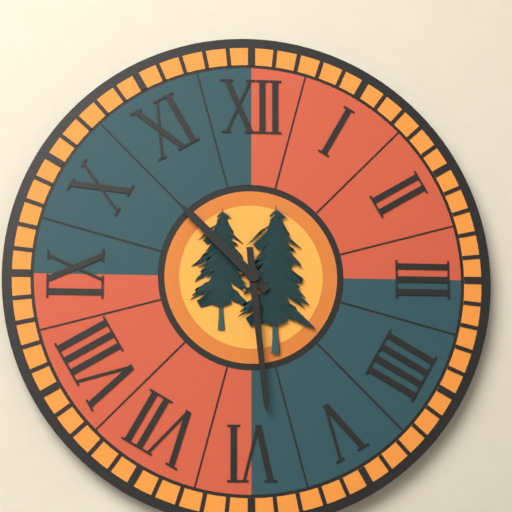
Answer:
10.29
